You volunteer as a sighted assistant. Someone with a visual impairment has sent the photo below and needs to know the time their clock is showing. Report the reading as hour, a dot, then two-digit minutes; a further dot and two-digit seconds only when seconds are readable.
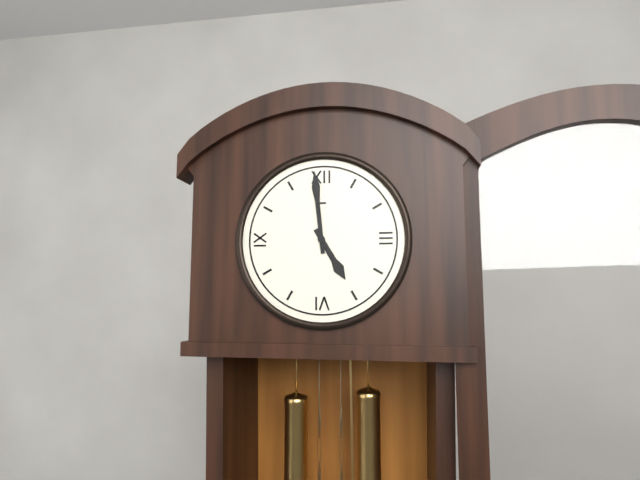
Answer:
4.59
